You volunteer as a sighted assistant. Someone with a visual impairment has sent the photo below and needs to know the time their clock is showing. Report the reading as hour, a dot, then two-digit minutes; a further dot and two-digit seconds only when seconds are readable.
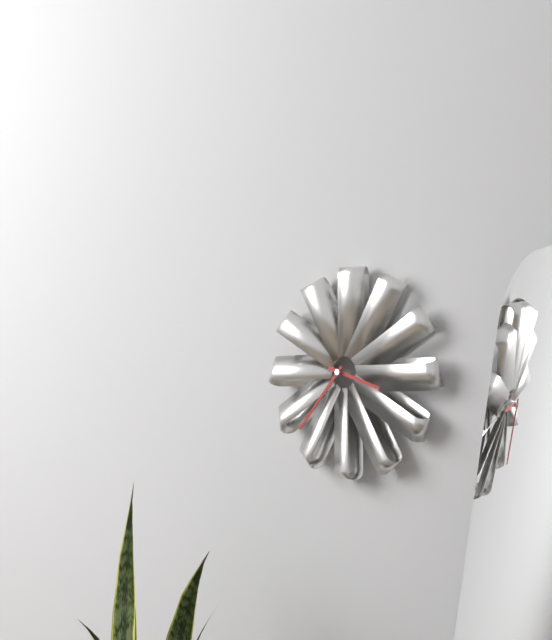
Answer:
3.37
